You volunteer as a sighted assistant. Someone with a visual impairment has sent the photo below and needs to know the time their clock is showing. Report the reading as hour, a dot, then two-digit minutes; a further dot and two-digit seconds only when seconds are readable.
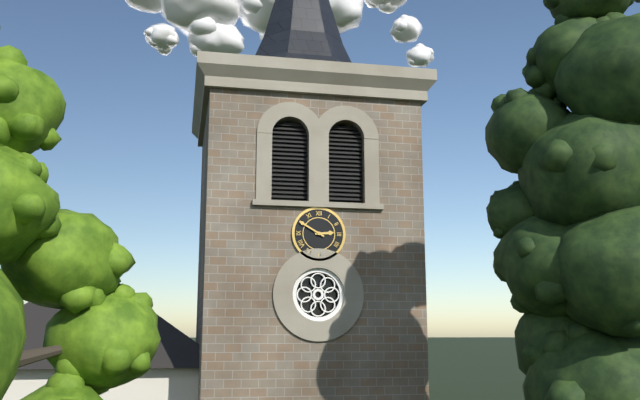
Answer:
2.50
